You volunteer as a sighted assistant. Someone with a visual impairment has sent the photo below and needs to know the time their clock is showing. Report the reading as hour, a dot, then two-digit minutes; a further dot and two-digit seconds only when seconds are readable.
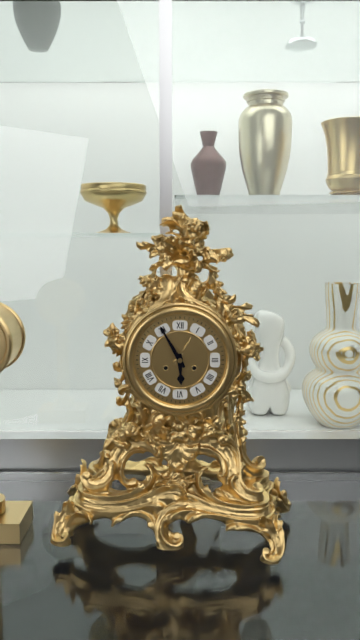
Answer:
5.55
